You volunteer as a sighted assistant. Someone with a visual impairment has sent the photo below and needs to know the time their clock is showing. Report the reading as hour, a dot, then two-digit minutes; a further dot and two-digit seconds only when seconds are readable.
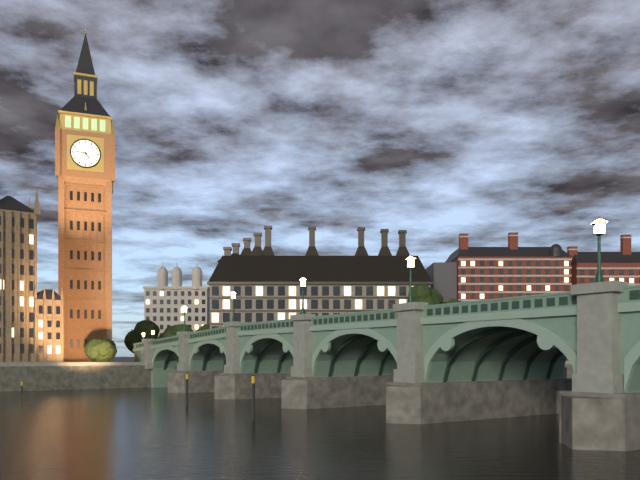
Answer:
4.46
